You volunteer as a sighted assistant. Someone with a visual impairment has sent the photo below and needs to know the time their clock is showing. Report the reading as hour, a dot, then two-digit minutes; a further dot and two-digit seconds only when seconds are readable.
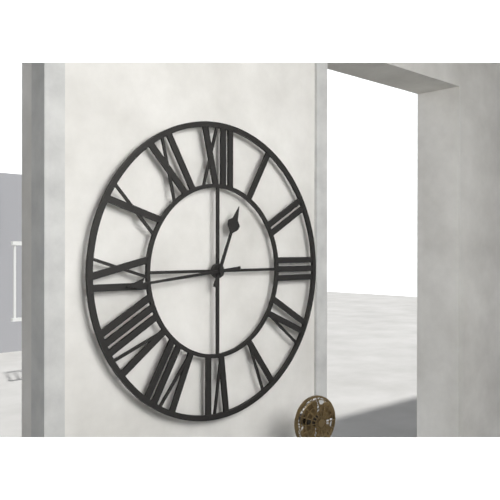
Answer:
12.44
